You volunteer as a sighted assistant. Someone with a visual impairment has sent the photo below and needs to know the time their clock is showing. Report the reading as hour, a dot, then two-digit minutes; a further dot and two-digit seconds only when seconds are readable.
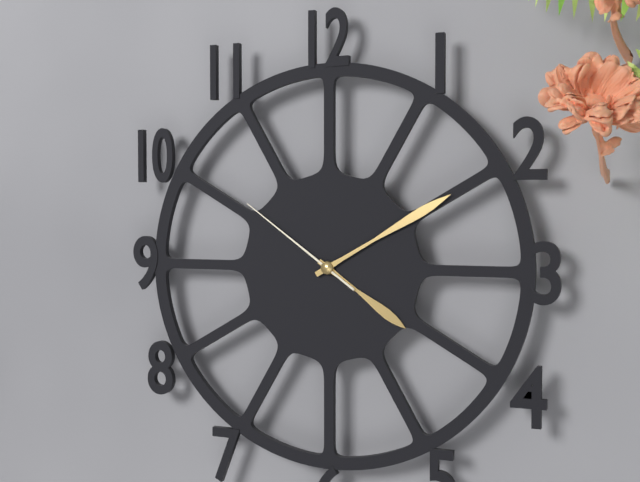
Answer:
4.10.51
